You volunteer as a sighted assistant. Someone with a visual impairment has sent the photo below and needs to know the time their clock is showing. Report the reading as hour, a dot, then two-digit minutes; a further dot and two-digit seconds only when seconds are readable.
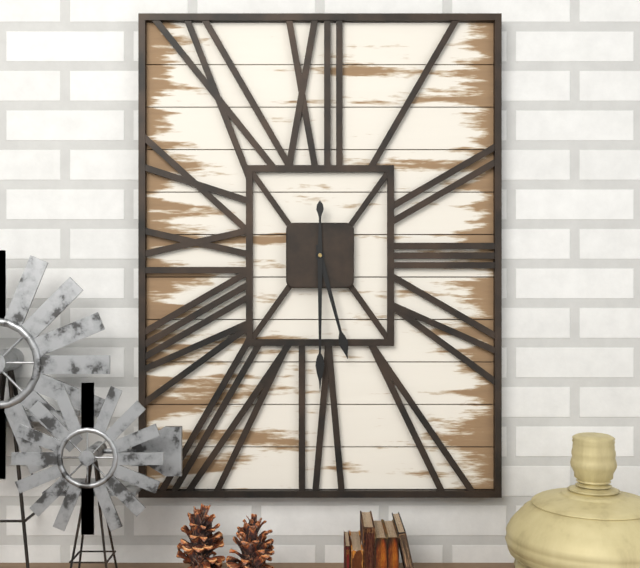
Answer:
5.30
